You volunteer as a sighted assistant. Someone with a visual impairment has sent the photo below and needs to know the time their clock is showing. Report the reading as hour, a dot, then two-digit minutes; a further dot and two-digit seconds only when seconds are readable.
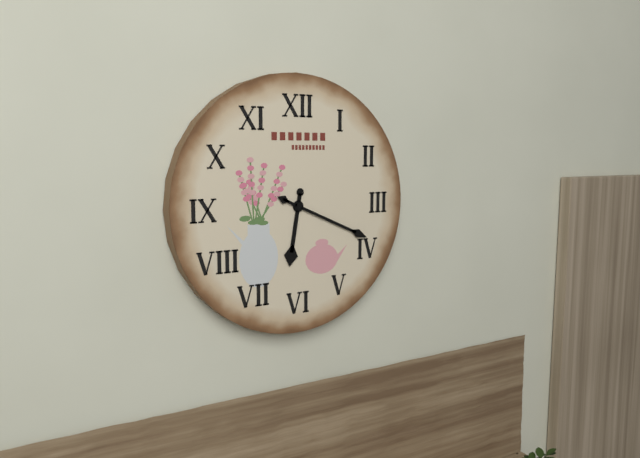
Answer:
6.19
